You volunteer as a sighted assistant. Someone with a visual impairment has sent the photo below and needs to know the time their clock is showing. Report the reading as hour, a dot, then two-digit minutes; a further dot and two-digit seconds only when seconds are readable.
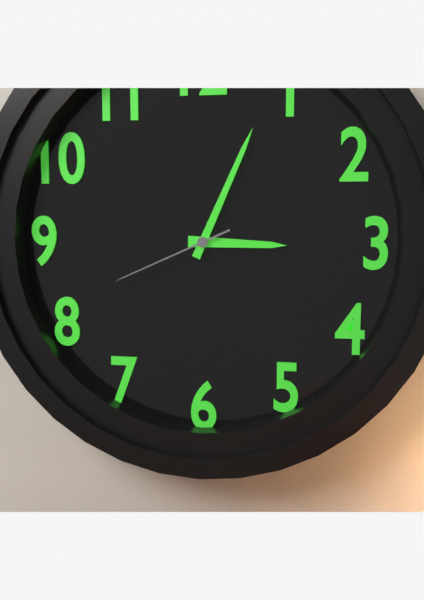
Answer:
3.04.41
